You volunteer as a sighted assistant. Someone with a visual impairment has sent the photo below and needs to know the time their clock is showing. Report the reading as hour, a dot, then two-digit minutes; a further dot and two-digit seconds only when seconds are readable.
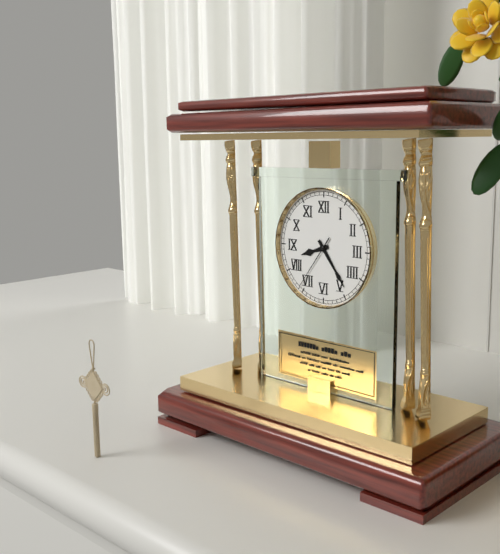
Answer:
8.24.36
